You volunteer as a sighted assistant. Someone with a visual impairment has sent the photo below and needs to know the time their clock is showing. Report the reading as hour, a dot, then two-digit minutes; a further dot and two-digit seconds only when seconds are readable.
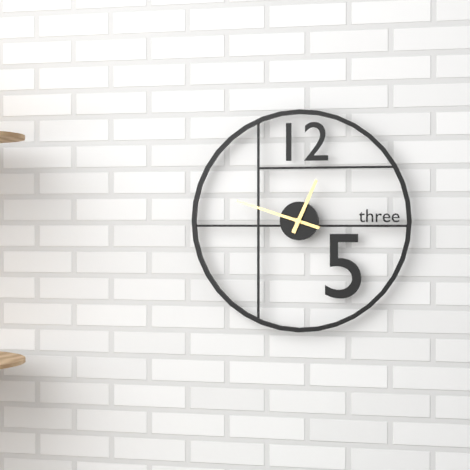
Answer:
12.48
